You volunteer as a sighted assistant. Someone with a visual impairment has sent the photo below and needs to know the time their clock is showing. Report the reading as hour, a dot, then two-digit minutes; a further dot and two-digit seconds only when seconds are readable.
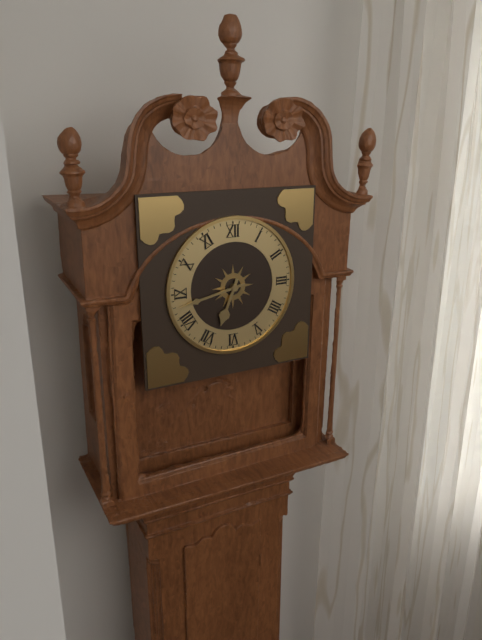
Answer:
6.43
